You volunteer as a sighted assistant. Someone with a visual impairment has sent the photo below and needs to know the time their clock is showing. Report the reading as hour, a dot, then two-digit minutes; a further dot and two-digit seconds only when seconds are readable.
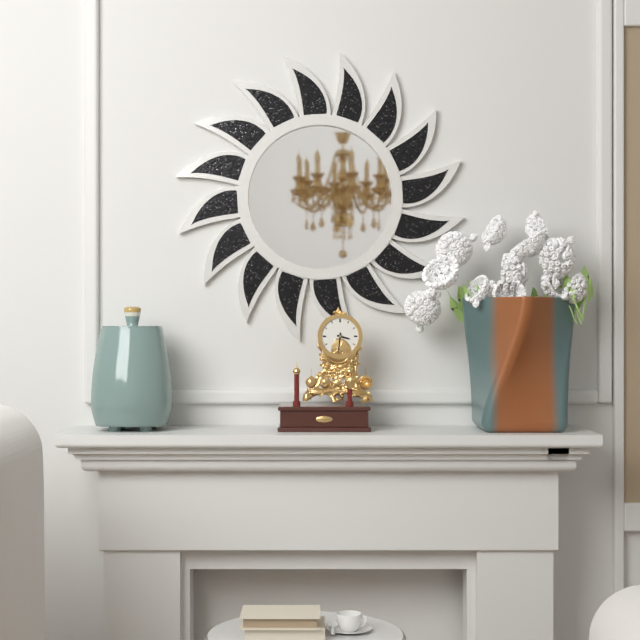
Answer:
3.31
